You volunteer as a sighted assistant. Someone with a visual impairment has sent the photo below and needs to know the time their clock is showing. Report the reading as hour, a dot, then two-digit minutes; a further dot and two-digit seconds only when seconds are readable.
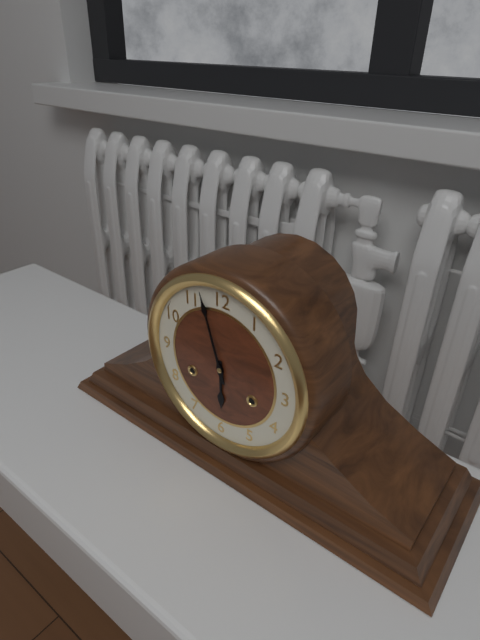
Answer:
5.57
